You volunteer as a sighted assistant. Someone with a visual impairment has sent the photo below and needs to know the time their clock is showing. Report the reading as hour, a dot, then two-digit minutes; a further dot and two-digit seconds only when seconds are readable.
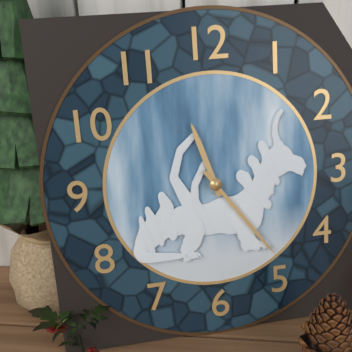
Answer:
11.24
